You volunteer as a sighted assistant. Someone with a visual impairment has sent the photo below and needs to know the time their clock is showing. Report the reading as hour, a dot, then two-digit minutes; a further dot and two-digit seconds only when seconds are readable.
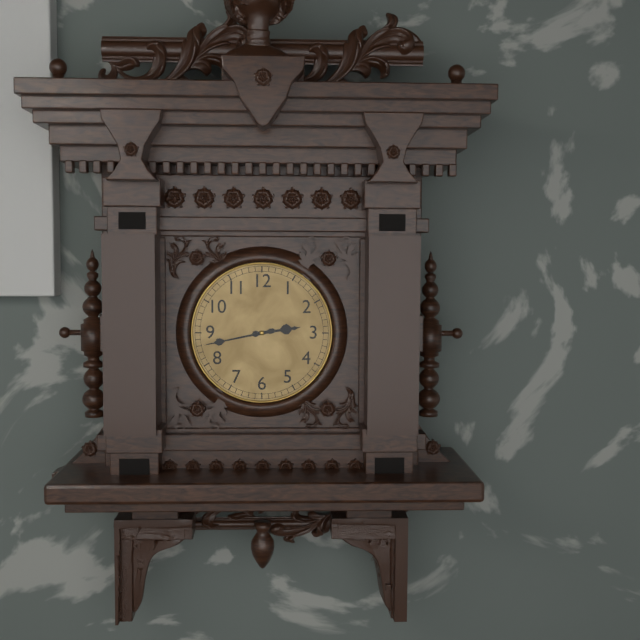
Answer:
2.43
